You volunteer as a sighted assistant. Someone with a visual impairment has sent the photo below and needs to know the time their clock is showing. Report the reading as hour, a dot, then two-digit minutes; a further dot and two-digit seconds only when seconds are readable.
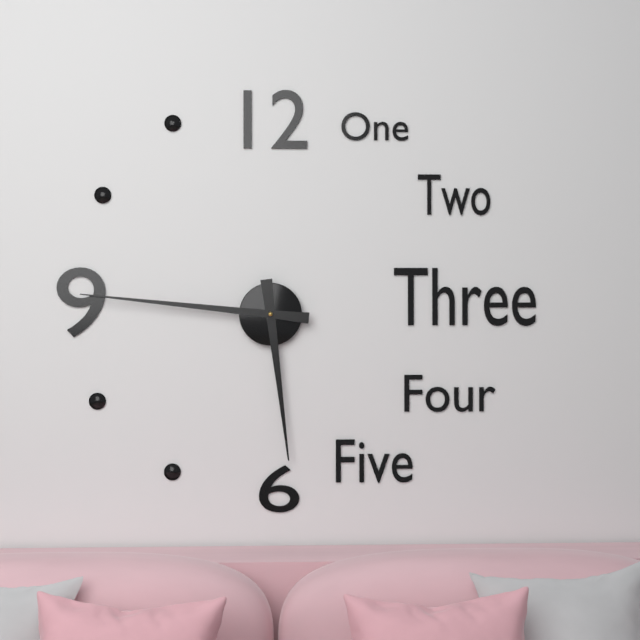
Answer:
5.46
